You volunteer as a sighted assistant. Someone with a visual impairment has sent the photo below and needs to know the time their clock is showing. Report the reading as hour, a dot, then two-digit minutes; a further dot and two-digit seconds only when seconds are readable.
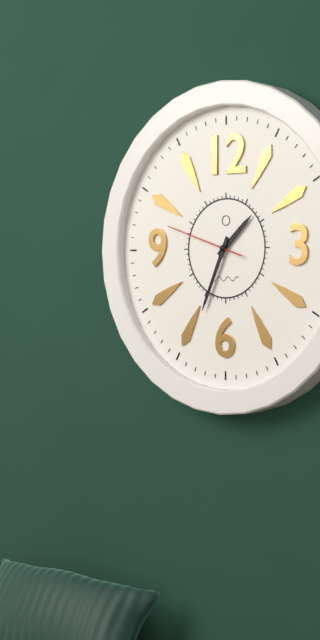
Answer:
1.34.48
